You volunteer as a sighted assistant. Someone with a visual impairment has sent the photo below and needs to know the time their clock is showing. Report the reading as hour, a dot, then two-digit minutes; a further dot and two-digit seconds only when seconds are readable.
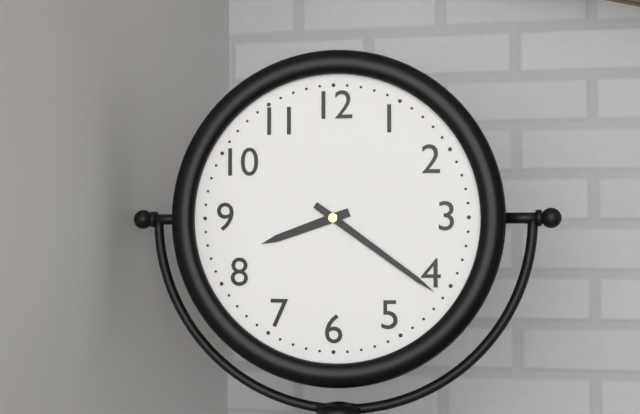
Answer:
8.21
